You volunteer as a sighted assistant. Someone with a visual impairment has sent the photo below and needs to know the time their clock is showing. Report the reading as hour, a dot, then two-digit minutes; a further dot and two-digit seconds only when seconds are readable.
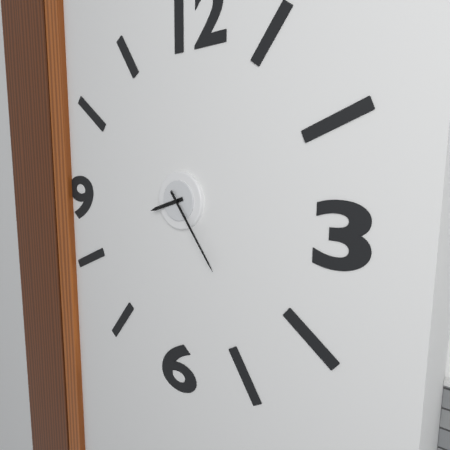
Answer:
8.24
